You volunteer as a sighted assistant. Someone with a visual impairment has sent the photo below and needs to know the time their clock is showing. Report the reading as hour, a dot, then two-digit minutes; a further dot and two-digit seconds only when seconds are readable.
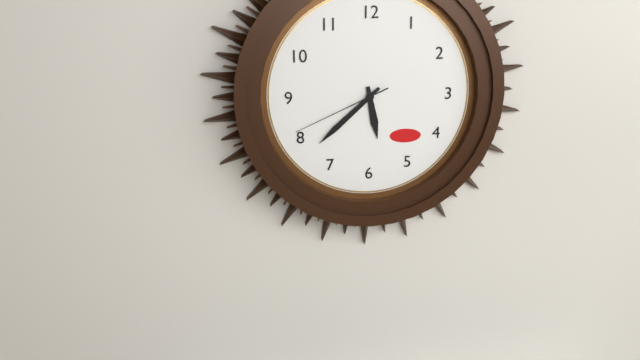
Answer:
5.38.41
